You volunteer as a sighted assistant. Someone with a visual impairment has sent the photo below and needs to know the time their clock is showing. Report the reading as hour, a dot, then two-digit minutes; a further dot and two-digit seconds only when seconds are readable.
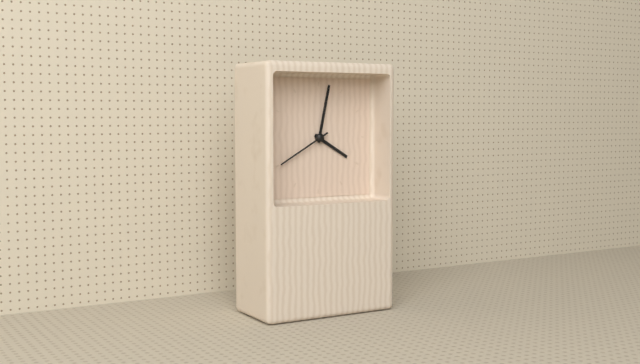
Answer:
4.02.40
